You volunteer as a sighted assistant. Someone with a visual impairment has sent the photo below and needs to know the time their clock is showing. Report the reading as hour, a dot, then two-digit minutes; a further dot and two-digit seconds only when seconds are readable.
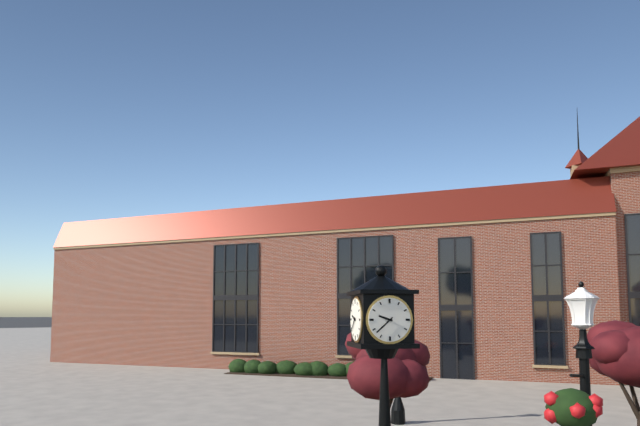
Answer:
9.38
